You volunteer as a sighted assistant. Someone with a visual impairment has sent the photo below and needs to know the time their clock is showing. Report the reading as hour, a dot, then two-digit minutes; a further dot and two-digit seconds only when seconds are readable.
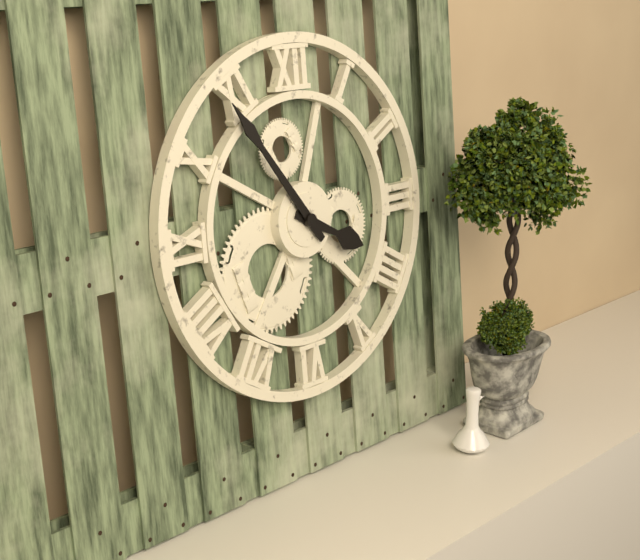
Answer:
3.54
